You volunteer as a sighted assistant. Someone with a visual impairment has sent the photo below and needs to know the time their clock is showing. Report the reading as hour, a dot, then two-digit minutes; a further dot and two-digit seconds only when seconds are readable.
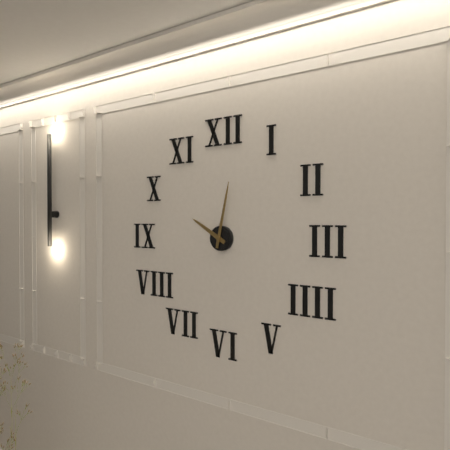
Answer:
10.02
